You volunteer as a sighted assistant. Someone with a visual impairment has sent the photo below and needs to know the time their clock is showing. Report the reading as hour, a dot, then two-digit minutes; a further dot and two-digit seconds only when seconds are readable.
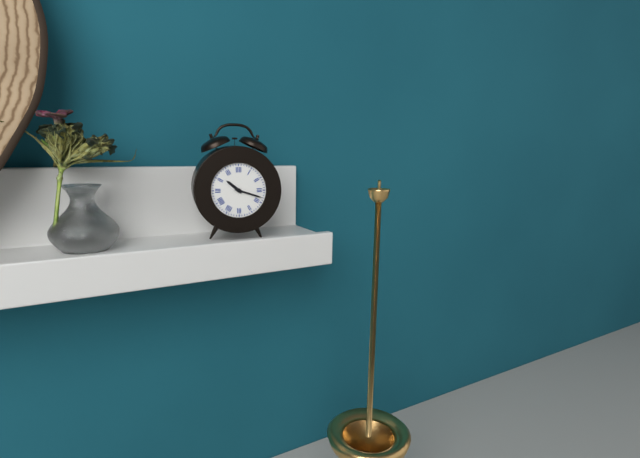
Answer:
10.18
